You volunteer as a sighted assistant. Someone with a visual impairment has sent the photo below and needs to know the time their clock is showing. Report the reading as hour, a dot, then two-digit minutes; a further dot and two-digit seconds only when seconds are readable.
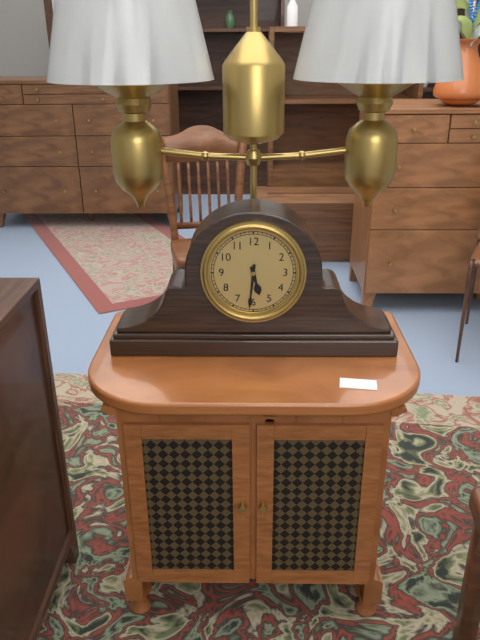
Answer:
5.31
